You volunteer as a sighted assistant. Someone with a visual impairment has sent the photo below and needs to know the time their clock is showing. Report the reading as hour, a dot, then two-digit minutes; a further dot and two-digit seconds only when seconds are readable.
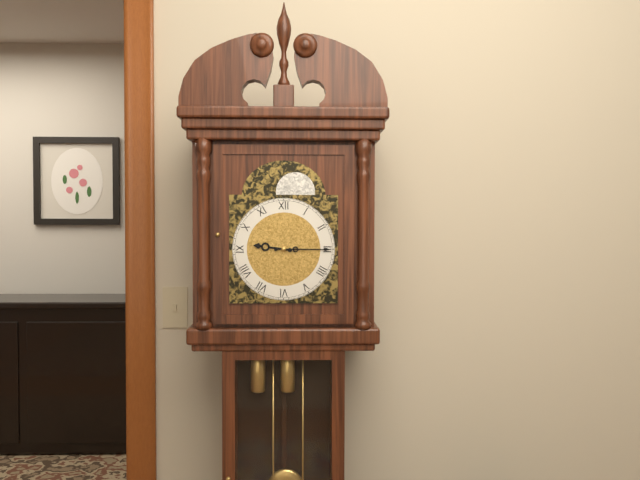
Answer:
9.15
